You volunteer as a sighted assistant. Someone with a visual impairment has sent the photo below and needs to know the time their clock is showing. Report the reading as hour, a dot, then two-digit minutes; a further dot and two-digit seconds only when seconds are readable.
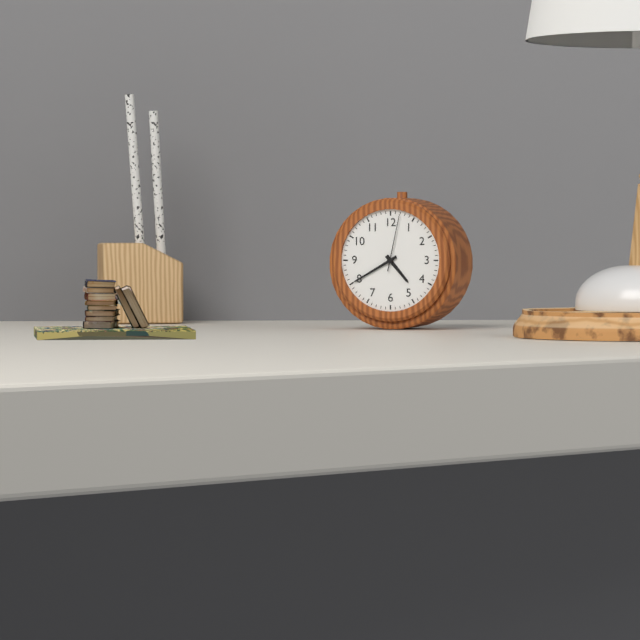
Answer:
4.40.02
